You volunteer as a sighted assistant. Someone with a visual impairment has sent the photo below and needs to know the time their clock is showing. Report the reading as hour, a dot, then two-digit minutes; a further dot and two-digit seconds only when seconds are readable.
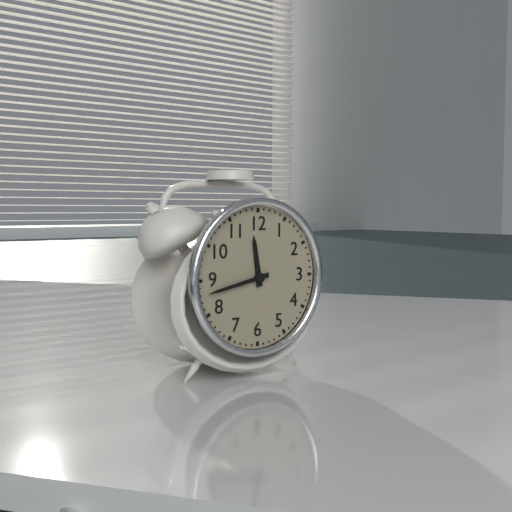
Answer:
11.43
